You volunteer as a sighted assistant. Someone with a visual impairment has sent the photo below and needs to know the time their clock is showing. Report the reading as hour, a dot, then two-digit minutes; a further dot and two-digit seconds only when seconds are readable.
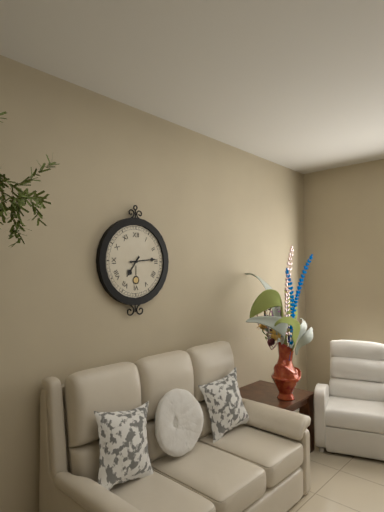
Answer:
7.14
